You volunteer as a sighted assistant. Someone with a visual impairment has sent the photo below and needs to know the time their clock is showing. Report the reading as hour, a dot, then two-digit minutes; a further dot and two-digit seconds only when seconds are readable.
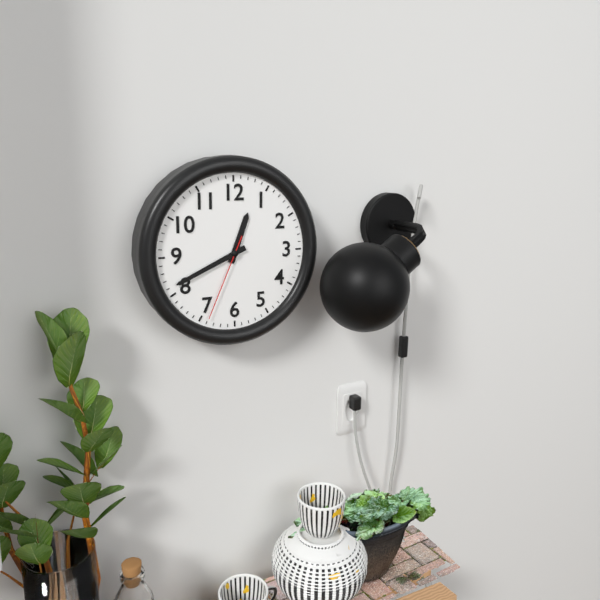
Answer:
12.41.34
